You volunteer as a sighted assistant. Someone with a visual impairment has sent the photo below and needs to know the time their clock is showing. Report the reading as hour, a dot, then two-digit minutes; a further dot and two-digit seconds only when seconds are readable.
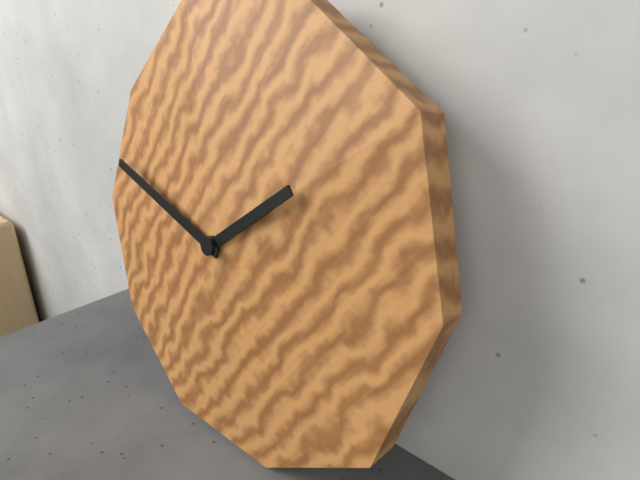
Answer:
1.48
